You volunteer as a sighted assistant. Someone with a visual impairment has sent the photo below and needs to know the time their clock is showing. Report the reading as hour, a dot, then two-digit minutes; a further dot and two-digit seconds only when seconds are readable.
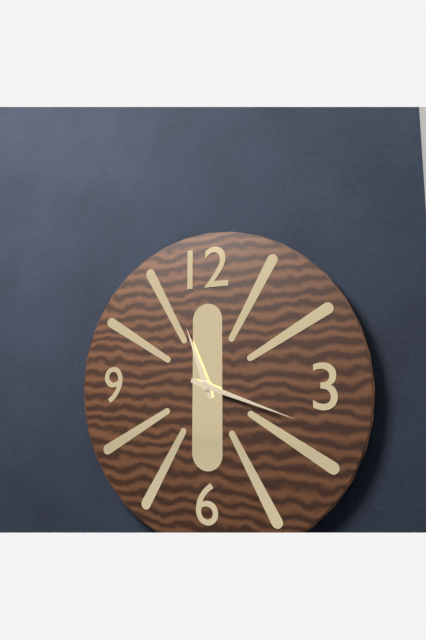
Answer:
11.18
